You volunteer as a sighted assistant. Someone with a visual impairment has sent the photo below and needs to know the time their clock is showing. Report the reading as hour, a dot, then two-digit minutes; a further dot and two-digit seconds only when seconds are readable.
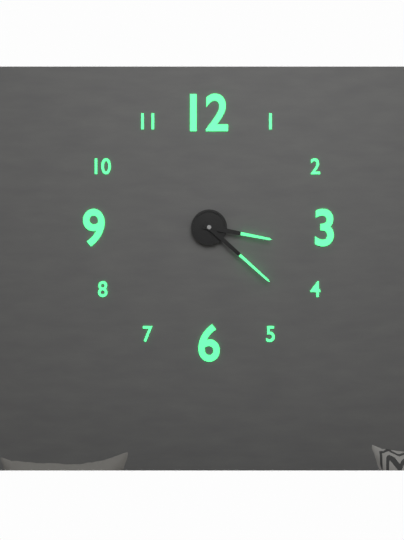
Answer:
3.22
